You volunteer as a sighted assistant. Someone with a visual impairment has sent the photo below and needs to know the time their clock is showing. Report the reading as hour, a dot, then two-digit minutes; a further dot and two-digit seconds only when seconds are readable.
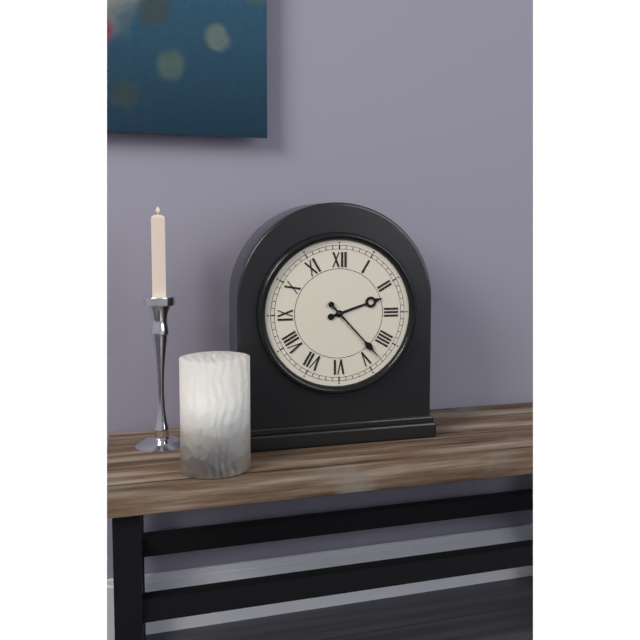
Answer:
2.23
